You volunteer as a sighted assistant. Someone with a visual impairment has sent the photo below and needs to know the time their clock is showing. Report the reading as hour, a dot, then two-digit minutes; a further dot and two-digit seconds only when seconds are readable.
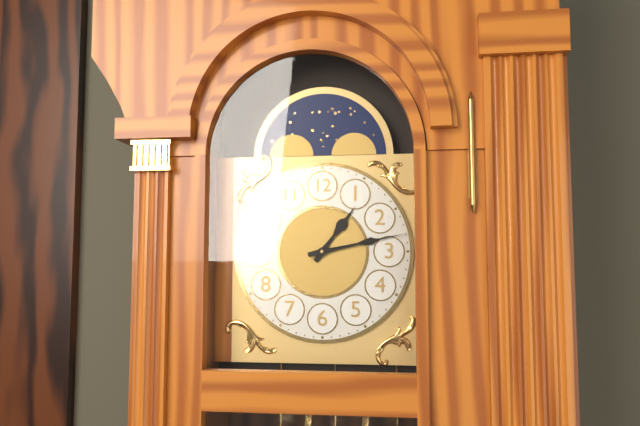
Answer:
1.13
